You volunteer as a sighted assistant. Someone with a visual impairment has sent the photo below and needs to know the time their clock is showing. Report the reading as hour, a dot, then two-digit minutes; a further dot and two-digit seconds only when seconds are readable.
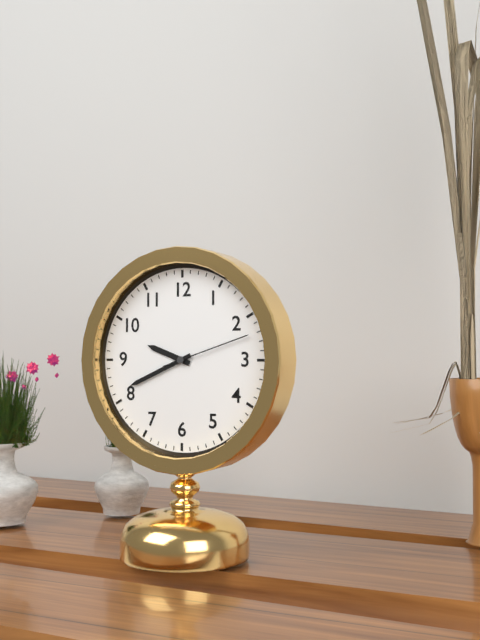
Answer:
9.41.12
